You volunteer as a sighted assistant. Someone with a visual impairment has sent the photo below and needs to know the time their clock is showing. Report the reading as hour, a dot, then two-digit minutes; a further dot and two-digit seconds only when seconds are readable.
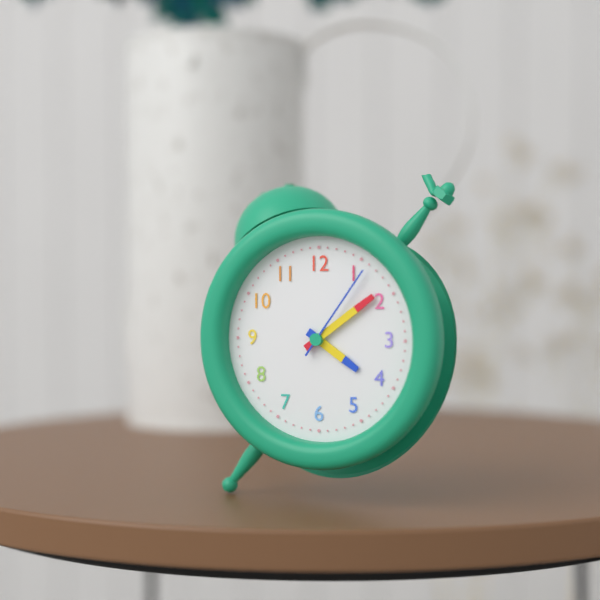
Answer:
4.09.06
